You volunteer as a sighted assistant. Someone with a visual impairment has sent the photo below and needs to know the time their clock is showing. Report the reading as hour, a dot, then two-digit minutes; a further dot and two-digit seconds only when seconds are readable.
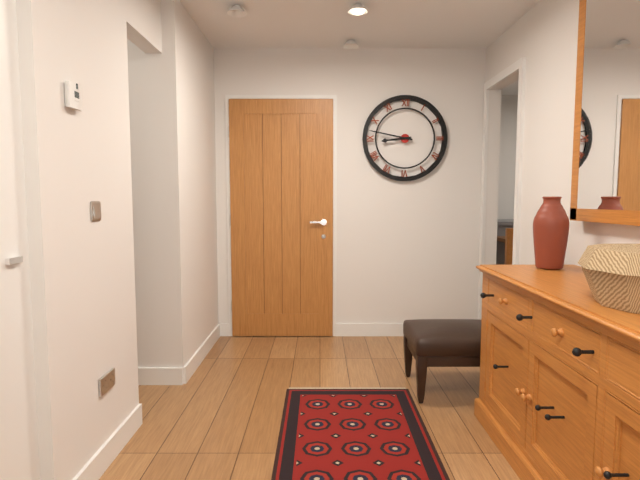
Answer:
8.47
